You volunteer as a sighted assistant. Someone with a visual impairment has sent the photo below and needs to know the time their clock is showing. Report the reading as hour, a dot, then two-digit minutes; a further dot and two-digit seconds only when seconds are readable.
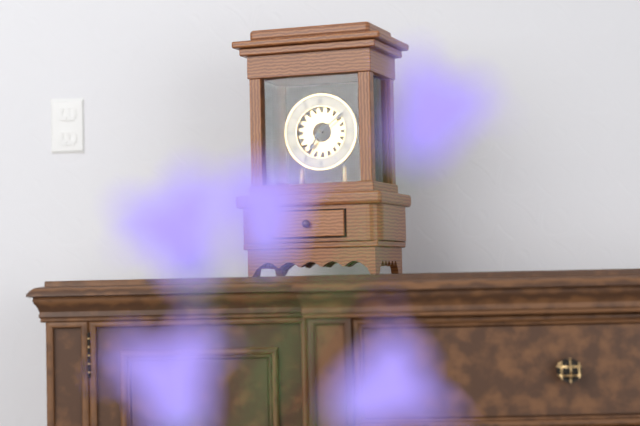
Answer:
7.09
